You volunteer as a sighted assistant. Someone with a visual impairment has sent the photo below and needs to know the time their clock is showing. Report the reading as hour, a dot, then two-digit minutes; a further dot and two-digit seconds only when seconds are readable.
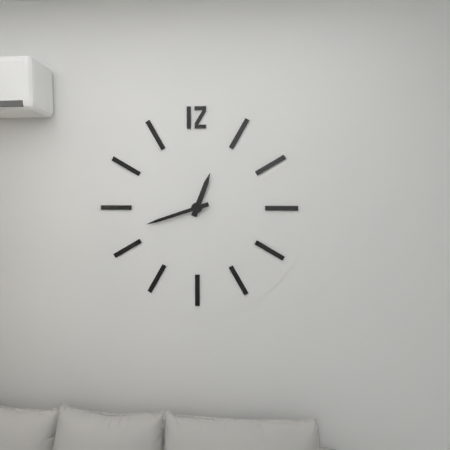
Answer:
12.42
